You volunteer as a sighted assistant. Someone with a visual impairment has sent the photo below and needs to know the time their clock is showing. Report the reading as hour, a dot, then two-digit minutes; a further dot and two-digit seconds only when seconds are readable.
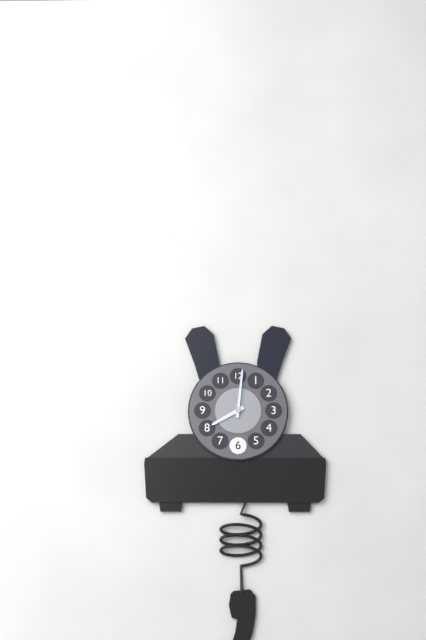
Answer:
8.01
